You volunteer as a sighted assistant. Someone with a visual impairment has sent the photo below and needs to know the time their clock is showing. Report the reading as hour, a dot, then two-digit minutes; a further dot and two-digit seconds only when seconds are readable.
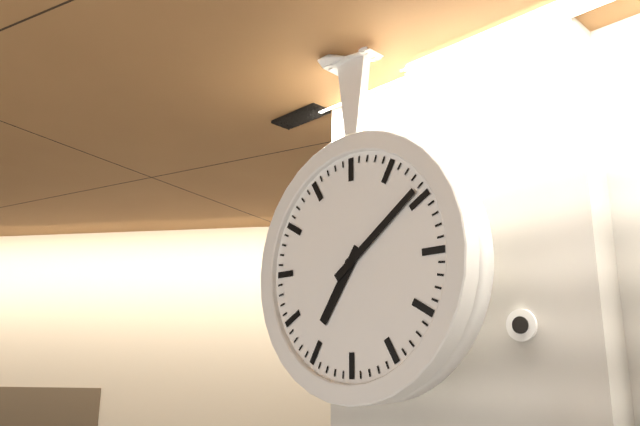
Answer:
7.09
